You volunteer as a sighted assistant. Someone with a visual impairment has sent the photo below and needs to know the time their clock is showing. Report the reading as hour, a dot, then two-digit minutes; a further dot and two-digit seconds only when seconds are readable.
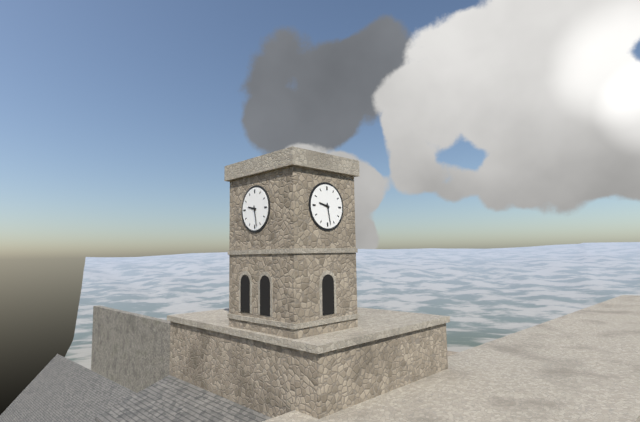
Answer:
9.28
